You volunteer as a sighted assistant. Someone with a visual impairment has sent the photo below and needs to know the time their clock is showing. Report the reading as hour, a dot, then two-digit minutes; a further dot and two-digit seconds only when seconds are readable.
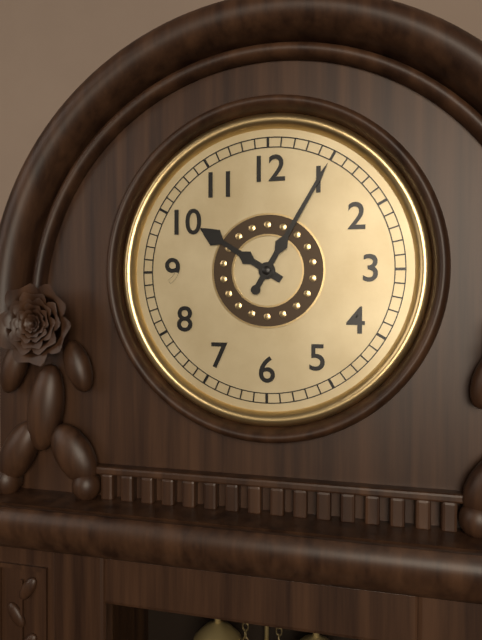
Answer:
10.05
